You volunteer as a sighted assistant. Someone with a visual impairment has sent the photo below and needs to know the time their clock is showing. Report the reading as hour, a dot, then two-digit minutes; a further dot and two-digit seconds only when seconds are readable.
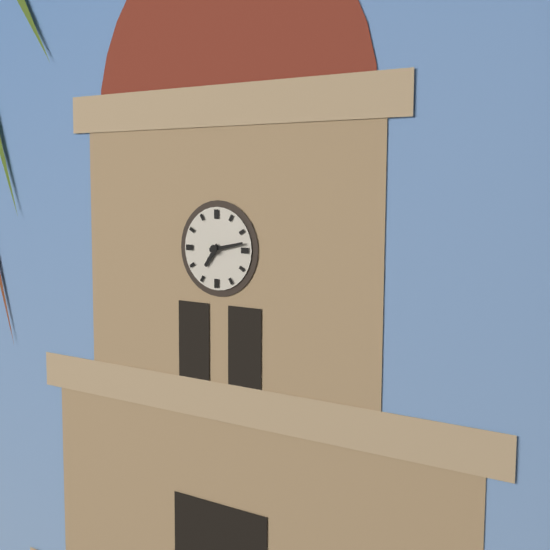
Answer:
7.13
